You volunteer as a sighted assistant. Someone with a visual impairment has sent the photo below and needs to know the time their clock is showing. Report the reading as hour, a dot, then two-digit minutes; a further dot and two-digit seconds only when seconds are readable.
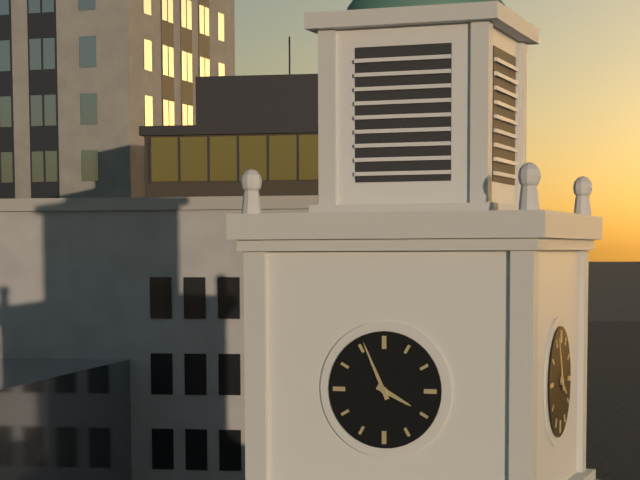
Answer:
3.56
